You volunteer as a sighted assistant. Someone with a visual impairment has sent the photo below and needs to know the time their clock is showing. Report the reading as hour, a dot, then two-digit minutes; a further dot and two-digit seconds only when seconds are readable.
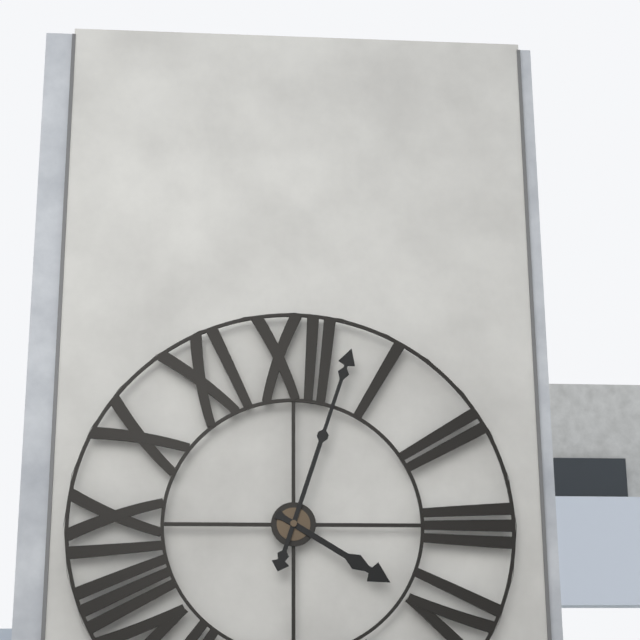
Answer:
4.03
